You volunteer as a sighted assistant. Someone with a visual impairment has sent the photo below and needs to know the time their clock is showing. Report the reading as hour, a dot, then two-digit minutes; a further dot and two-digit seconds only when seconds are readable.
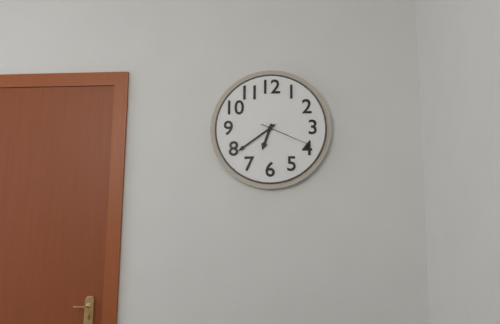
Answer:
6.39.19
